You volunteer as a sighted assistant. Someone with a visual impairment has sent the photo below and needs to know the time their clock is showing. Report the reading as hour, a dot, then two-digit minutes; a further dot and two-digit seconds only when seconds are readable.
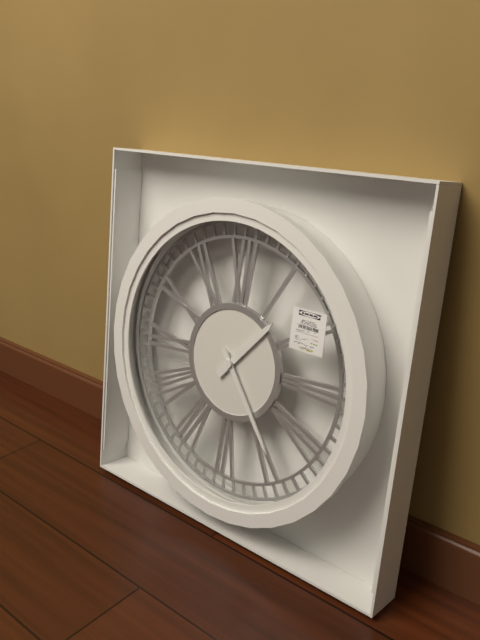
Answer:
1.24
